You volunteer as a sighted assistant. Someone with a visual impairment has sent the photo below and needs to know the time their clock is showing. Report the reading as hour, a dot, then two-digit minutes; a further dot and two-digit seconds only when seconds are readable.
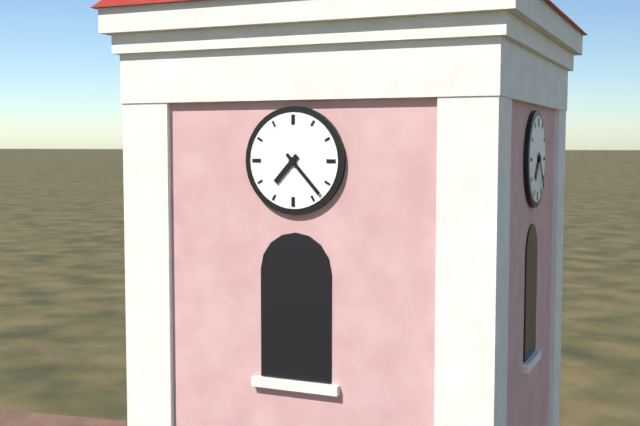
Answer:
7.23
